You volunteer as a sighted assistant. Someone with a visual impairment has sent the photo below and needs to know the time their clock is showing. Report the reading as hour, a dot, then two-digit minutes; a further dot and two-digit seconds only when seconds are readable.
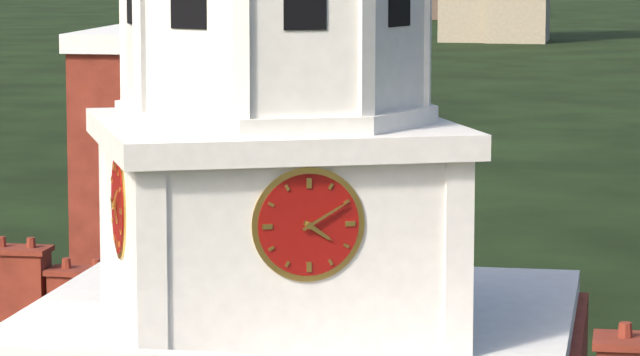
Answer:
4.10
